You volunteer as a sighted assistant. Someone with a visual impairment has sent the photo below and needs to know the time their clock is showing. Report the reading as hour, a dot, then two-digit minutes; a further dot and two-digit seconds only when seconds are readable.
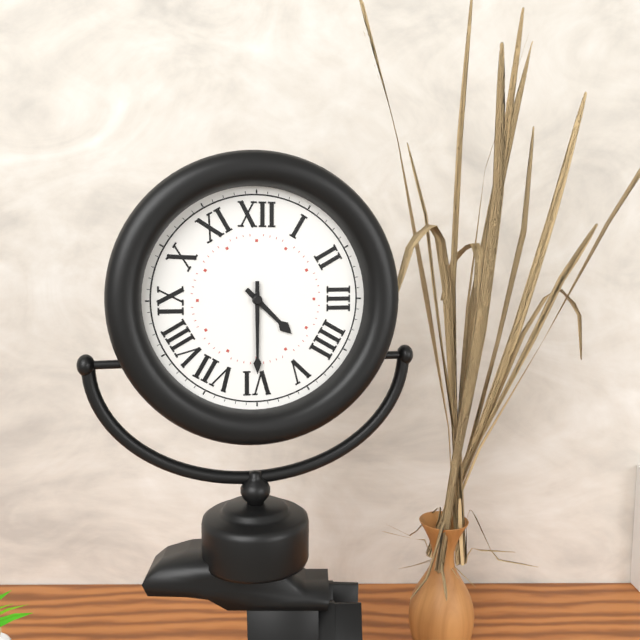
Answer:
4.30
